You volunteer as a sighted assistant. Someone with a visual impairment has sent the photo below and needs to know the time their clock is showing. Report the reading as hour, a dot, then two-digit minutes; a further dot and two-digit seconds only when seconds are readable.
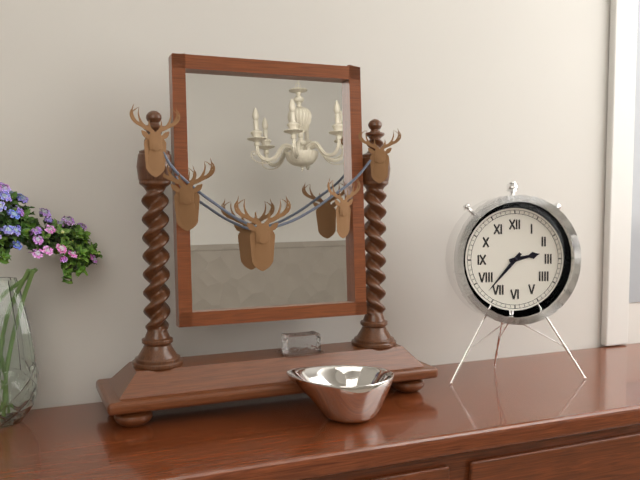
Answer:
2.37
